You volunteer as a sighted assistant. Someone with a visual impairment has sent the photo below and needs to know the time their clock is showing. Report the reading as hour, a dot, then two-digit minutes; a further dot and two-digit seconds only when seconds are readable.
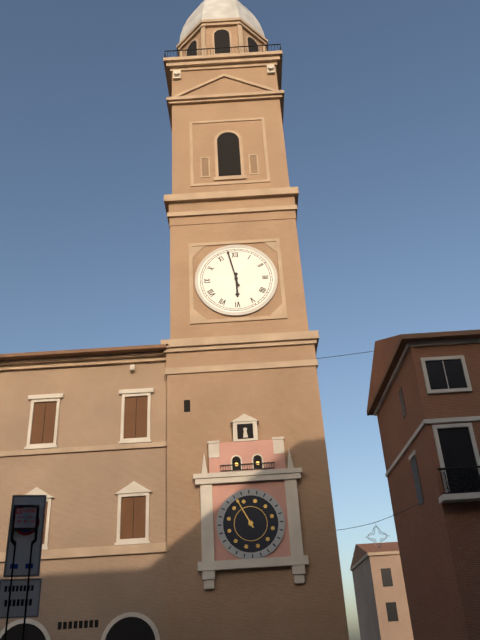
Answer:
5.58
